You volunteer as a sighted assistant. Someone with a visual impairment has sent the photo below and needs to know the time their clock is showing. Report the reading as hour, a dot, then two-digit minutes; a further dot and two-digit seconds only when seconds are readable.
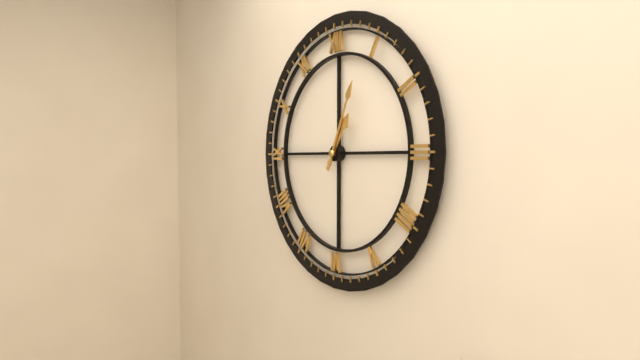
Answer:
1.04
